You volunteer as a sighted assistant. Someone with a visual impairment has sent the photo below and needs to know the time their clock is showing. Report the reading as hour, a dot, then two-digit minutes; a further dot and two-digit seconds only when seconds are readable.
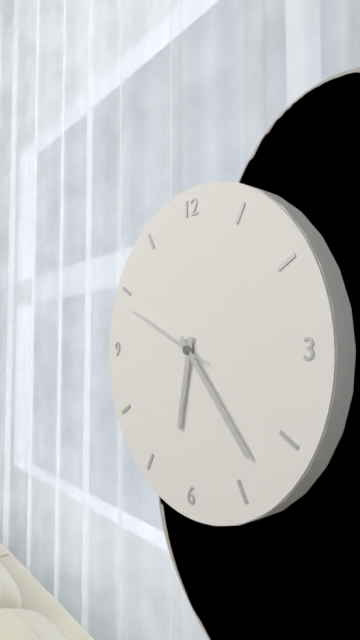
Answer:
6.23.49
